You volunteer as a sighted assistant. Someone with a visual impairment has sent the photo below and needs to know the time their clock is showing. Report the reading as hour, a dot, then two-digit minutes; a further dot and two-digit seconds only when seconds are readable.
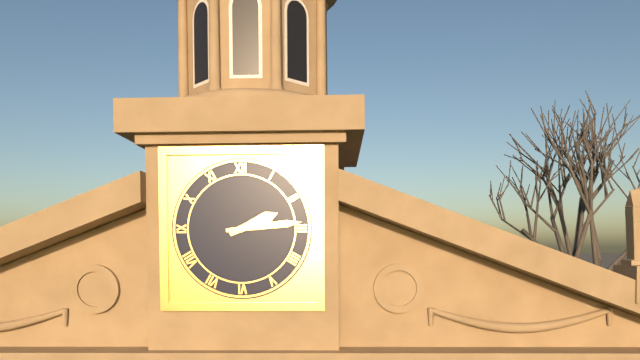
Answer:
2.14
